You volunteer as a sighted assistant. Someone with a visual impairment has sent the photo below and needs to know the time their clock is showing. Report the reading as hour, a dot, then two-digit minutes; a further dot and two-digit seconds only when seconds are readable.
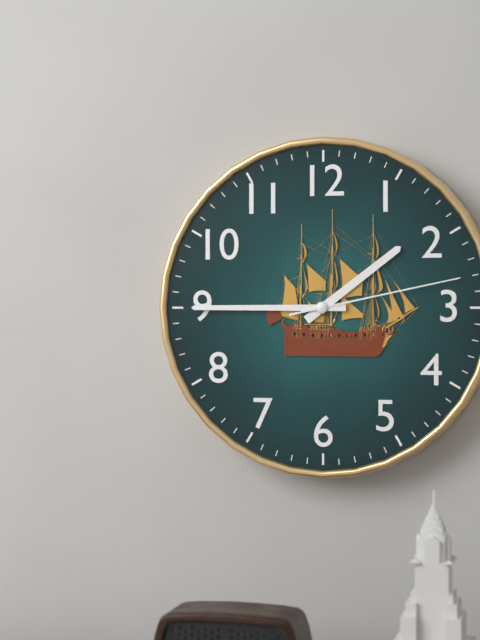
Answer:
1.45.13
